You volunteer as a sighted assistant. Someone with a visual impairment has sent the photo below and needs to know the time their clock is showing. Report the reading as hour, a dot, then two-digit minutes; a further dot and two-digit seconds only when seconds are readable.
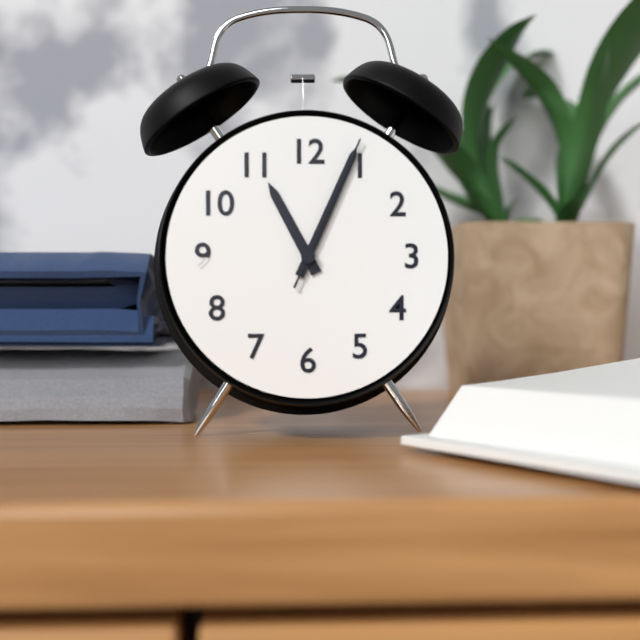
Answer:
11.04.04
